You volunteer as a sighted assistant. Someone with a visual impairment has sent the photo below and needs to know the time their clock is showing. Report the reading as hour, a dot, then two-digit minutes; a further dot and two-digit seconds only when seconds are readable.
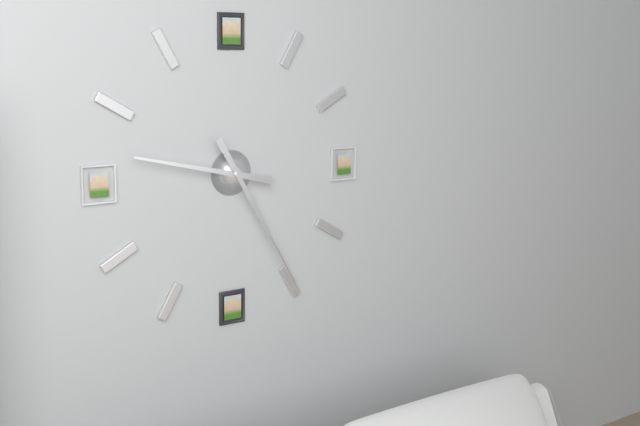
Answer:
9.25
